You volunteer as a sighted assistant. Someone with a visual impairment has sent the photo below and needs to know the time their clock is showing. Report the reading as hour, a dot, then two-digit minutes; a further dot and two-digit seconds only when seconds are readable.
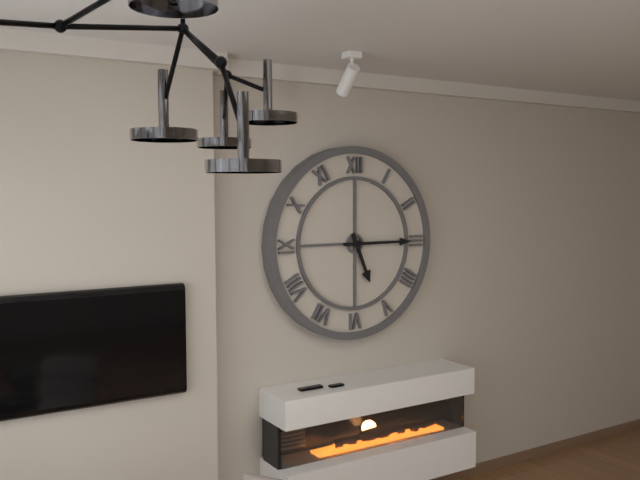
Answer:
5.15
